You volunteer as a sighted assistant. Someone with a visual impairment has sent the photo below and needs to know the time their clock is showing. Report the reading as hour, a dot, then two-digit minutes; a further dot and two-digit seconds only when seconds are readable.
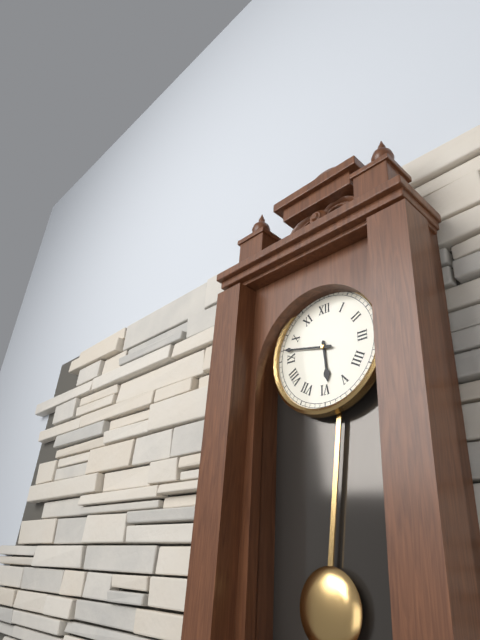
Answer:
5.47
